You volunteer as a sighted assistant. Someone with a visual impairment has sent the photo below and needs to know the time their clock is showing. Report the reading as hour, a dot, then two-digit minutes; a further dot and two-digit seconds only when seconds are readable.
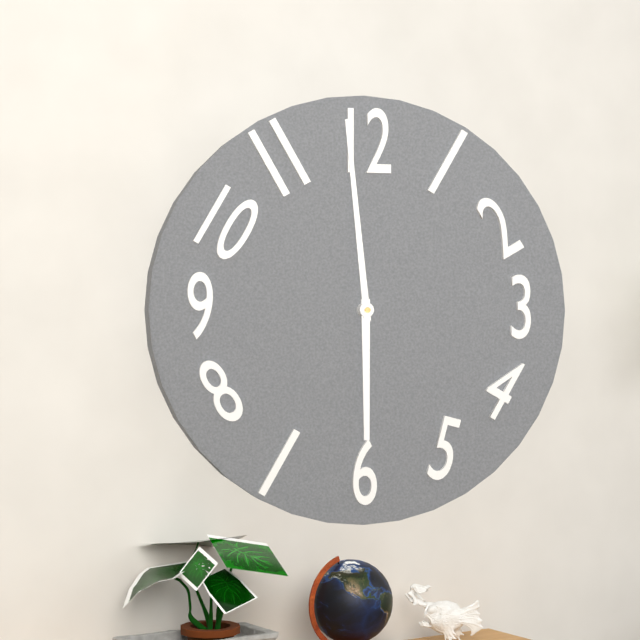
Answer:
5.59
